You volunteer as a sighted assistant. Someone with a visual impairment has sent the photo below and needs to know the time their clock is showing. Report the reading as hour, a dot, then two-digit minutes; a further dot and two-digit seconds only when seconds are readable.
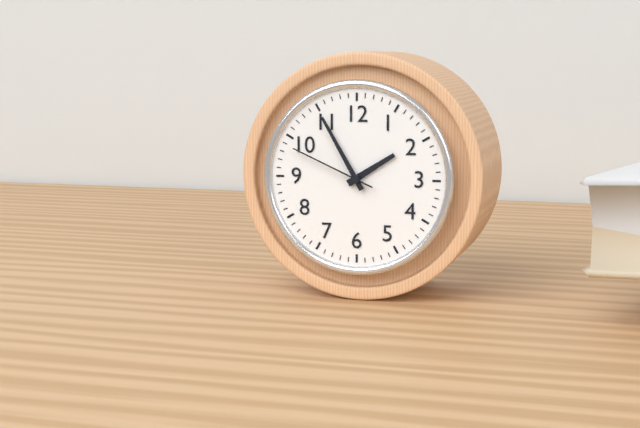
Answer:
1.55.49
